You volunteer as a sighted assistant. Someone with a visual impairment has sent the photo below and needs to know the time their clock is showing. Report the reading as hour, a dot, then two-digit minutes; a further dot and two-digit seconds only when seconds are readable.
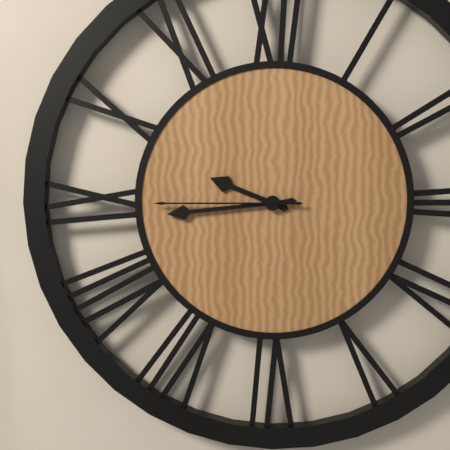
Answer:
9.44.45
